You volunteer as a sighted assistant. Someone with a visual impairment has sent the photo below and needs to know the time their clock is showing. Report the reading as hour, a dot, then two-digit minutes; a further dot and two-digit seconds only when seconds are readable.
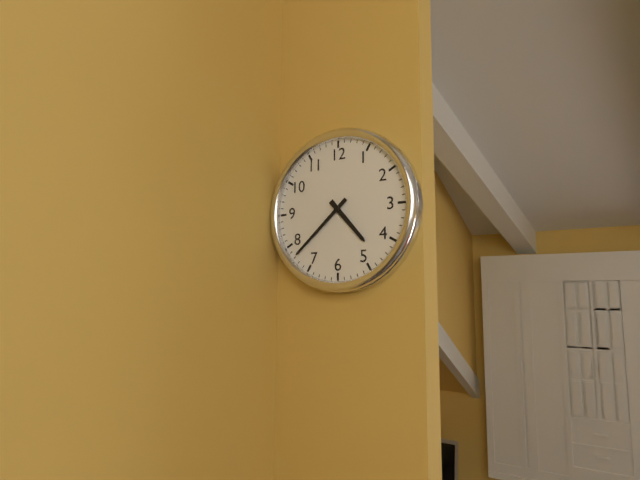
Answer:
4.38
